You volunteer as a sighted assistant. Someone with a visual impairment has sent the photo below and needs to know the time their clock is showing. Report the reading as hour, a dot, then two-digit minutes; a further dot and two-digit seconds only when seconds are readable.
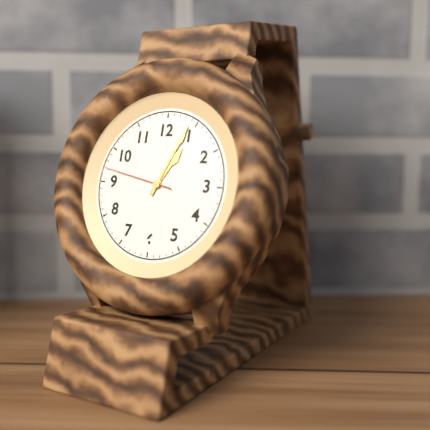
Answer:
1.04.47
